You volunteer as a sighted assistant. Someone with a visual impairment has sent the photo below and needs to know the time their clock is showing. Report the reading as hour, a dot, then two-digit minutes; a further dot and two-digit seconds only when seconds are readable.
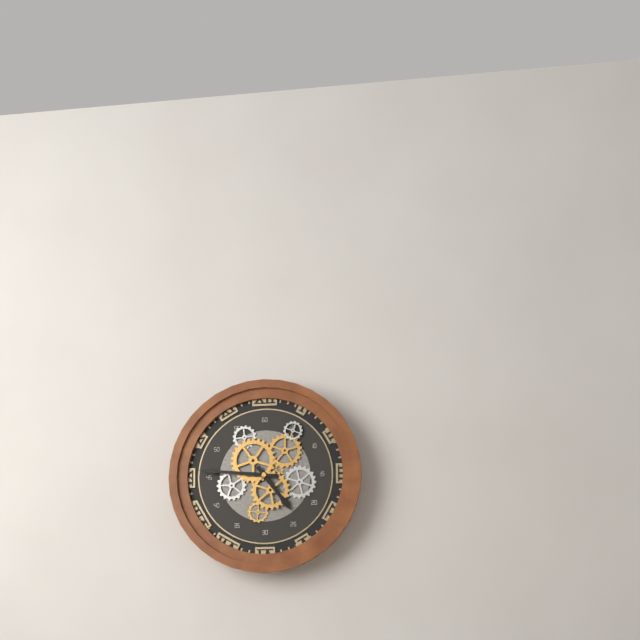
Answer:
4.46
